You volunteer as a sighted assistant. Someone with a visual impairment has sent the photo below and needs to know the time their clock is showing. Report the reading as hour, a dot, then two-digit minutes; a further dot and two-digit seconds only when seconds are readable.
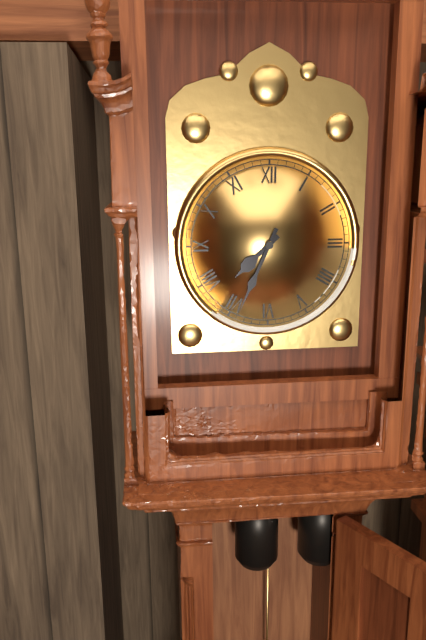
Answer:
7.34
